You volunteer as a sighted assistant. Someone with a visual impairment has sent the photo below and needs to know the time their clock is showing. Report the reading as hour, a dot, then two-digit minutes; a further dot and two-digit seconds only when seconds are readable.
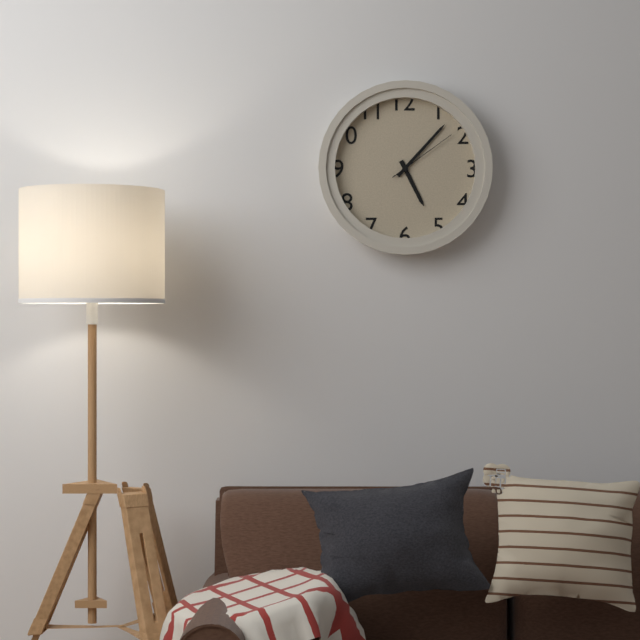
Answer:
5.07.09
